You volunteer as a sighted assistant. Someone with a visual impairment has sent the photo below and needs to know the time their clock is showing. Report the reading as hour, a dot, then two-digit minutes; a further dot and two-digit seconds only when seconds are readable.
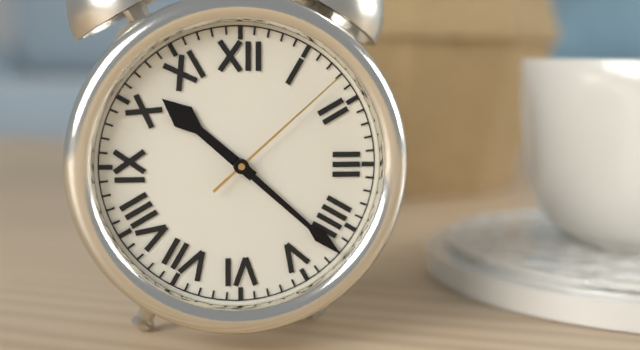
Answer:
10.22.08
